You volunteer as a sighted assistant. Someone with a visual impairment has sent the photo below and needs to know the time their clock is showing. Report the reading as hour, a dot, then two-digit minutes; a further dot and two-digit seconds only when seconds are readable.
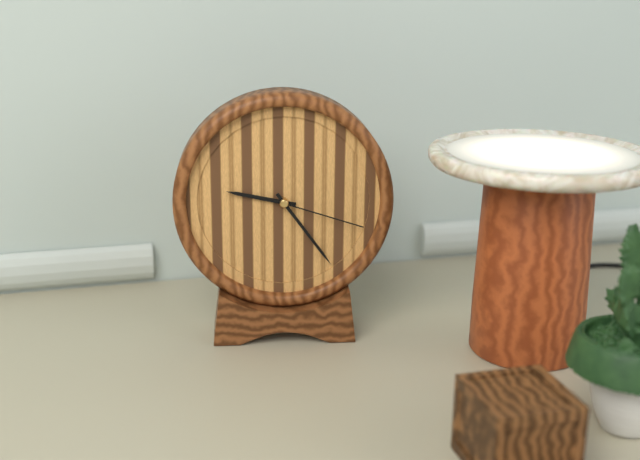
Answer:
9.24.18
